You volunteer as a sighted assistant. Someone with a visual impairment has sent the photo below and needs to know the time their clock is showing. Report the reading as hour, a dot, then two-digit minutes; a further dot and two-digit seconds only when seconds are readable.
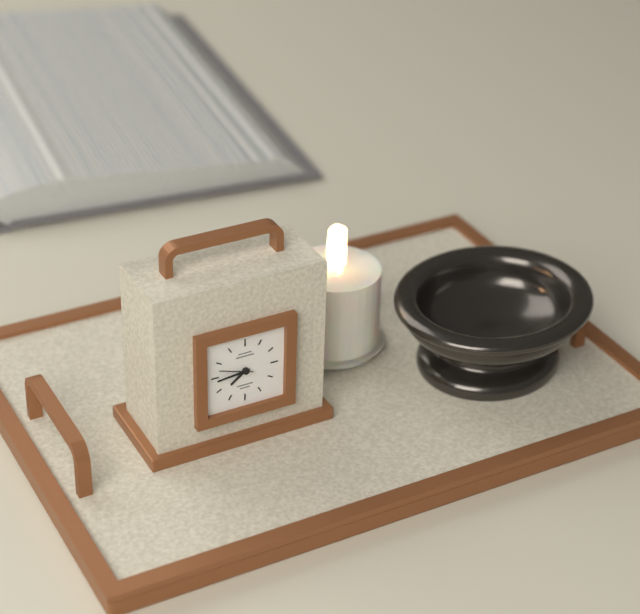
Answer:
7.44
